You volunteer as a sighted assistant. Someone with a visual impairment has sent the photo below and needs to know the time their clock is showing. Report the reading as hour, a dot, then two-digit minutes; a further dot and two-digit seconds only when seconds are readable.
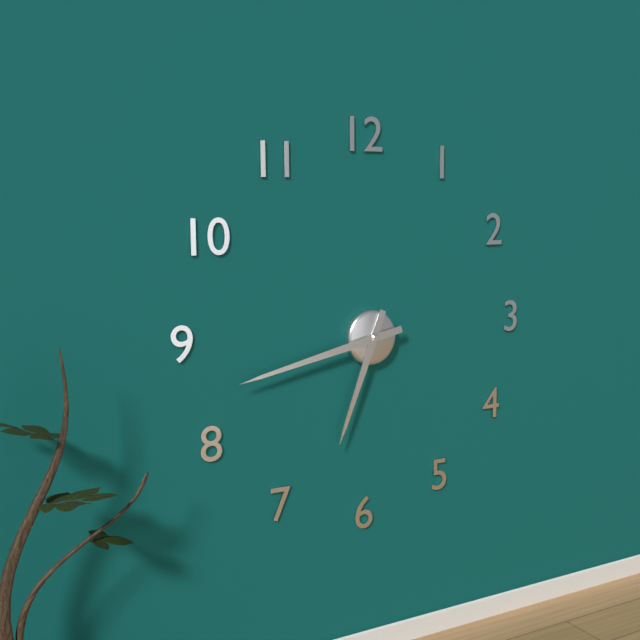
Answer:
6.43
